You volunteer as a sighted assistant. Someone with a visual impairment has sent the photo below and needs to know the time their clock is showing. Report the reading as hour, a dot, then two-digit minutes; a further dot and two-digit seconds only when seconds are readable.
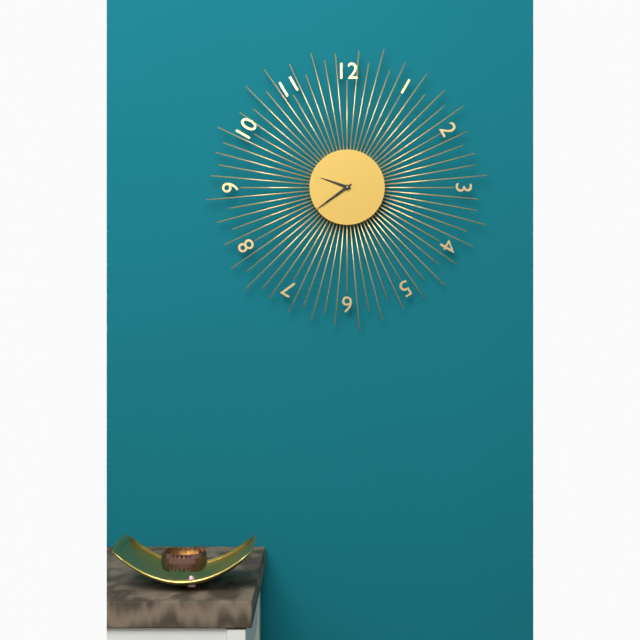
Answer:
9.39
